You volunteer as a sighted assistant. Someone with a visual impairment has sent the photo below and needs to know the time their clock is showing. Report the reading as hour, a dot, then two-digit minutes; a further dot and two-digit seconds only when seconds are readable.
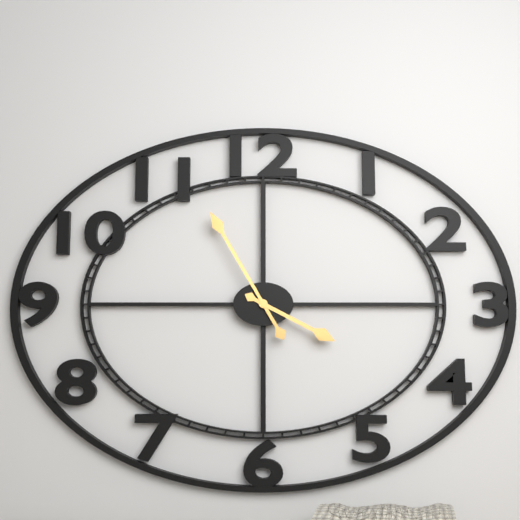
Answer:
3.55
